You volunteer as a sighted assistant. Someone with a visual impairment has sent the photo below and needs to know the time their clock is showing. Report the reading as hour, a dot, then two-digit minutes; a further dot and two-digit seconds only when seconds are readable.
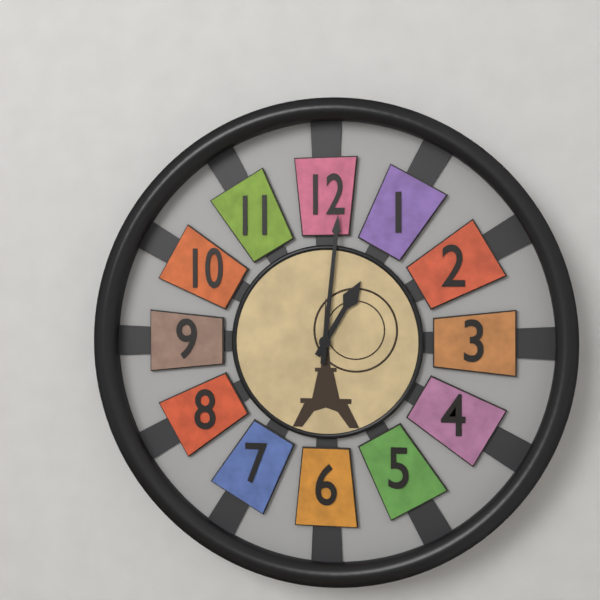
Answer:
1.01
